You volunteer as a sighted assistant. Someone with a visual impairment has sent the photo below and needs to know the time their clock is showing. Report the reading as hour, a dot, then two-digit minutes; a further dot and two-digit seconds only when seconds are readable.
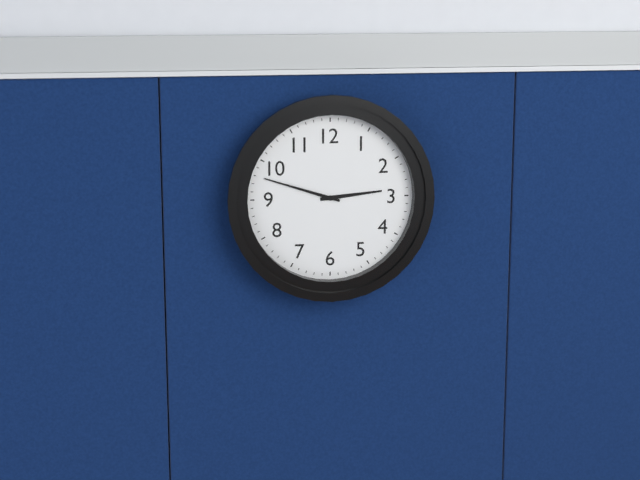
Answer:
2.48
